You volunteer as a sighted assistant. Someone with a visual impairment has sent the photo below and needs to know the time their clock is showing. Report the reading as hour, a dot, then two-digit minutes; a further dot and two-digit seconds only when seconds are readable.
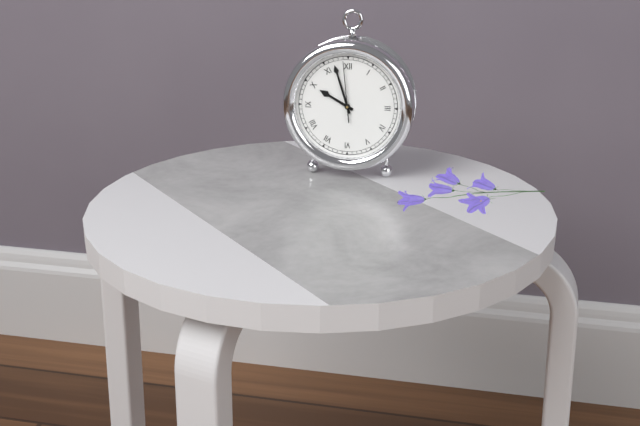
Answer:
9.57.59
